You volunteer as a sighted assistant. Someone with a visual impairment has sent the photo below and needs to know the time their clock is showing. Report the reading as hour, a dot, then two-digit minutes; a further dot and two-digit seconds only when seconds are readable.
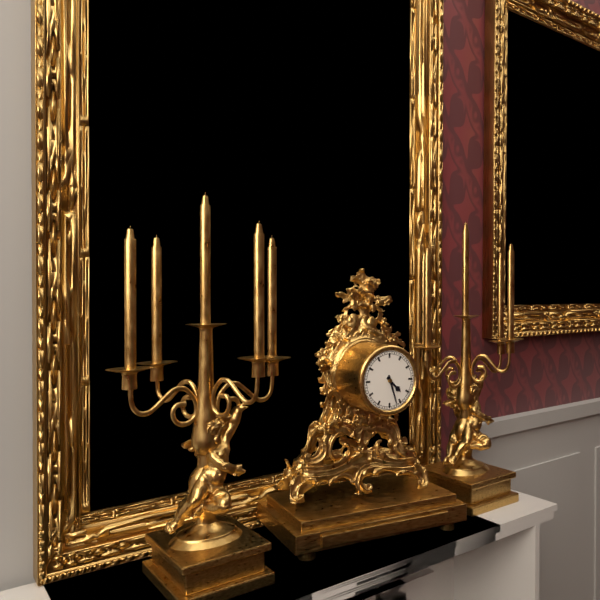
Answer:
4.27
